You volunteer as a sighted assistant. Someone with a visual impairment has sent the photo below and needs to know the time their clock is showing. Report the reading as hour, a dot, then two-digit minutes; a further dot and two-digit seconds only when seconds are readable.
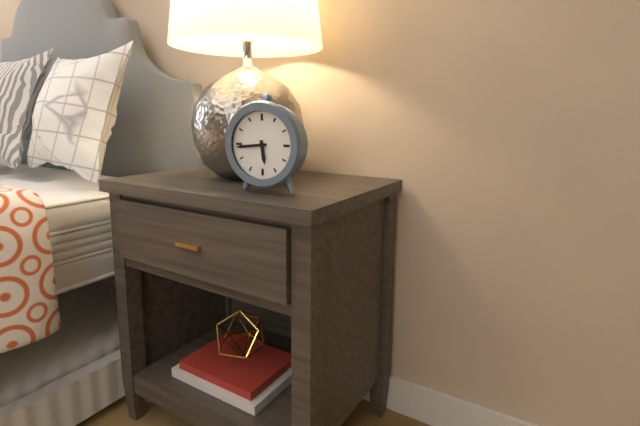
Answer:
5.44
